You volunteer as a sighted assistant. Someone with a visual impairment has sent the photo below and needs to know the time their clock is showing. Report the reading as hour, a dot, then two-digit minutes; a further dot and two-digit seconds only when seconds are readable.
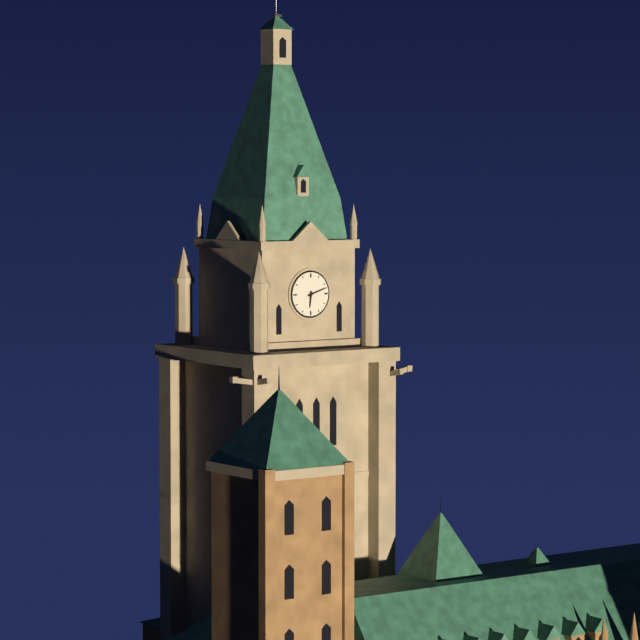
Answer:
6.12
